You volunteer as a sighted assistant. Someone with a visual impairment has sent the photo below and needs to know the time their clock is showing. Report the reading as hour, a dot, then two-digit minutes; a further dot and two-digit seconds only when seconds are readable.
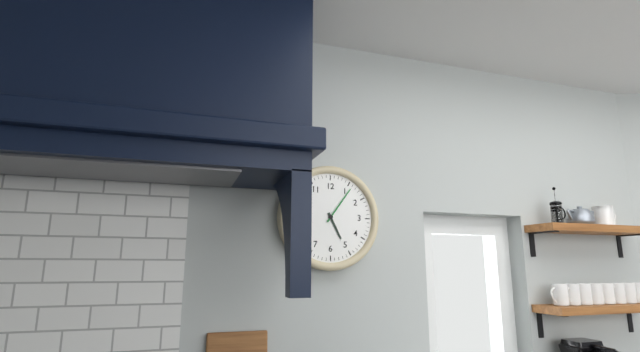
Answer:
5.06
